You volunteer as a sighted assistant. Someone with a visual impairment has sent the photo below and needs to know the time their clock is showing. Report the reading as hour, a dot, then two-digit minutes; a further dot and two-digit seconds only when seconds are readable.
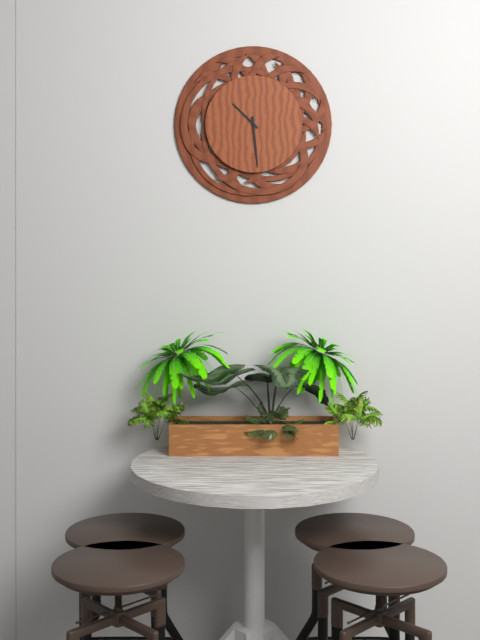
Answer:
10.29
